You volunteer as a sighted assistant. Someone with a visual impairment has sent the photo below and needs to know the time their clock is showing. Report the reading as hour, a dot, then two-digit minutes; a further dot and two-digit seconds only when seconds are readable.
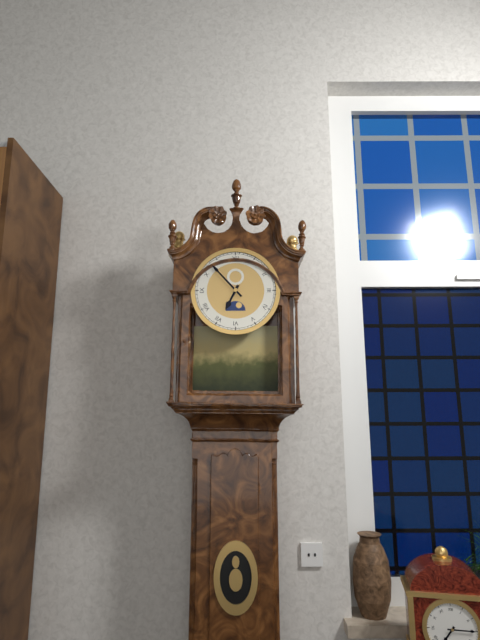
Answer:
6.53
